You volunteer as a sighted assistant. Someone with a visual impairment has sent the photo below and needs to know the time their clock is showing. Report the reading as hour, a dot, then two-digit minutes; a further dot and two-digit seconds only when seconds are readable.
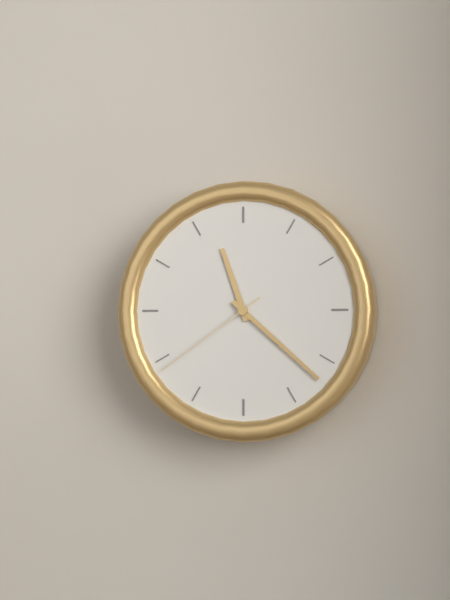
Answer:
11.22.39
